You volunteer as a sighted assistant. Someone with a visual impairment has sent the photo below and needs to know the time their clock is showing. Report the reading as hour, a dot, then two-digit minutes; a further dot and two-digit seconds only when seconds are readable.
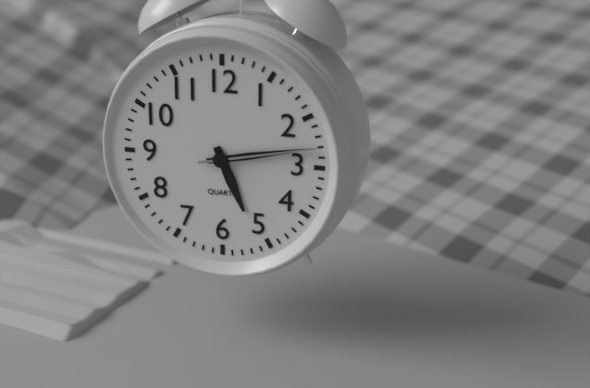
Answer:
5.13.13
